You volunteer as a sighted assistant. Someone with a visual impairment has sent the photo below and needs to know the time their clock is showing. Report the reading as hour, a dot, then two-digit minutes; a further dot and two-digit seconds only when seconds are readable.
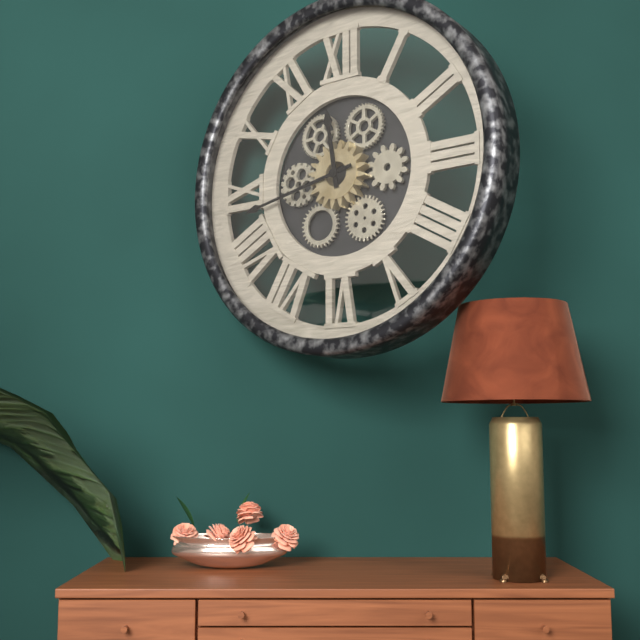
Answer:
11.43
